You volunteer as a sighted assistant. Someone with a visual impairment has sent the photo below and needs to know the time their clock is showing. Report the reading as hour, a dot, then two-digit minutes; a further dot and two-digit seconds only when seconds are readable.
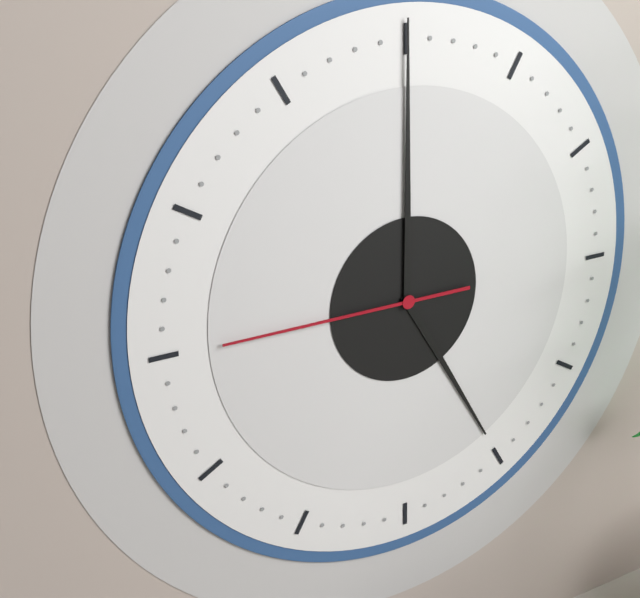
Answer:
5.00.45
